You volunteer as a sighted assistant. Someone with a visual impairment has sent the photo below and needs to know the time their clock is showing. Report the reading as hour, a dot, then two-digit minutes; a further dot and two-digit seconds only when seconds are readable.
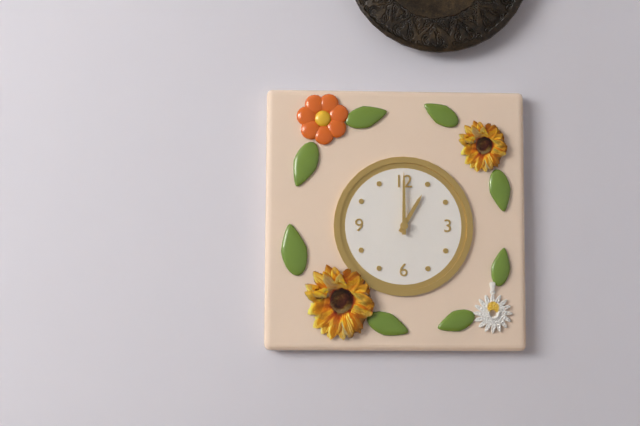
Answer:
1.00
